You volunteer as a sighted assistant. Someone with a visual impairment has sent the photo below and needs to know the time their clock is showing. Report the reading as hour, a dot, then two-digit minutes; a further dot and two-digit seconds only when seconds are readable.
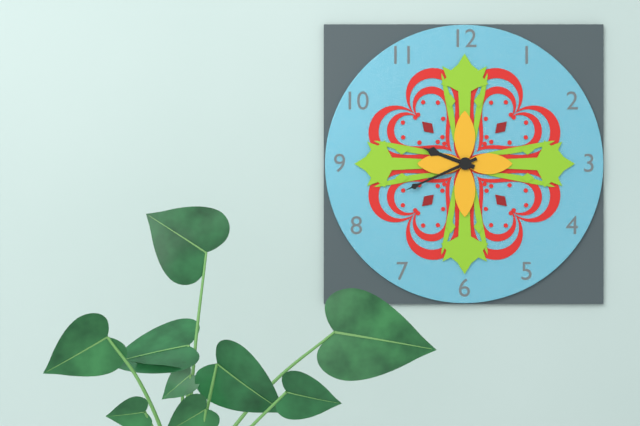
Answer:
9.41
